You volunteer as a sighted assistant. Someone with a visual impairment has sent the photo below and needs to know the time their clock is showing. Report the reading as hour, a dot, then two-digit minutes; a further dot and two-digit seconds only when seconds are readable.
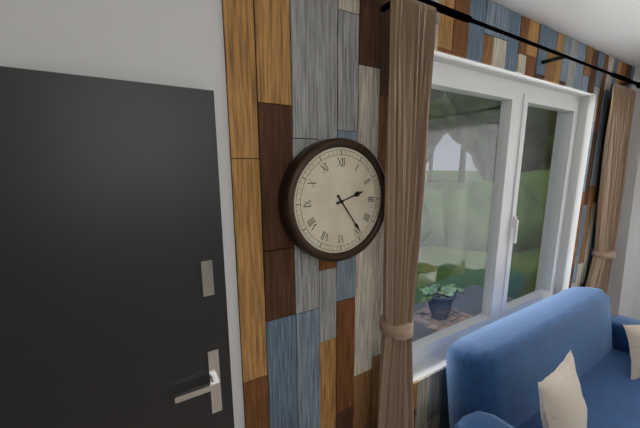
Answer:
2.24
